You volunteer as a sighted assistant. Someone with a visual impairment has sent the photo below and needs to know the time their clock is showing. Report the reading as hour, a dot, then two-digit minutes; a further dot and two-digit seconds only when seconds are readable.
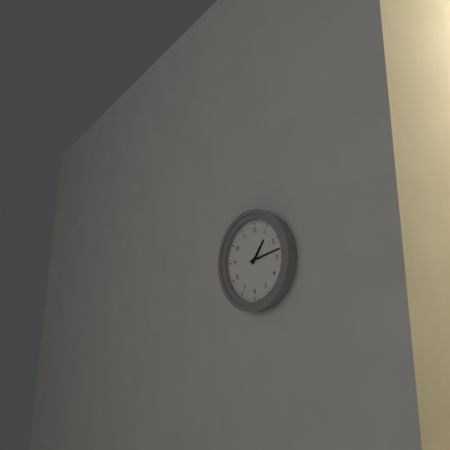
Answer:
1.13
